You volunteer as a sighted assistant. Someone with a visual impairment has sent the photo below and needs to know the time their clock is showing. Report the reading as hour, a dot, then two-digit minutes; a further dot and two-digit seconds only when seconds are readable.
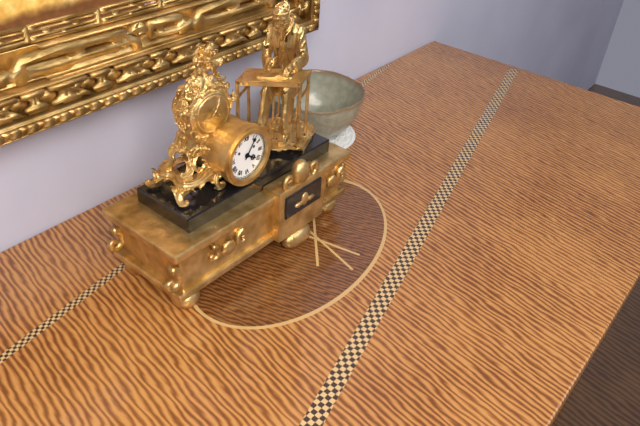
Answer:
4.06
